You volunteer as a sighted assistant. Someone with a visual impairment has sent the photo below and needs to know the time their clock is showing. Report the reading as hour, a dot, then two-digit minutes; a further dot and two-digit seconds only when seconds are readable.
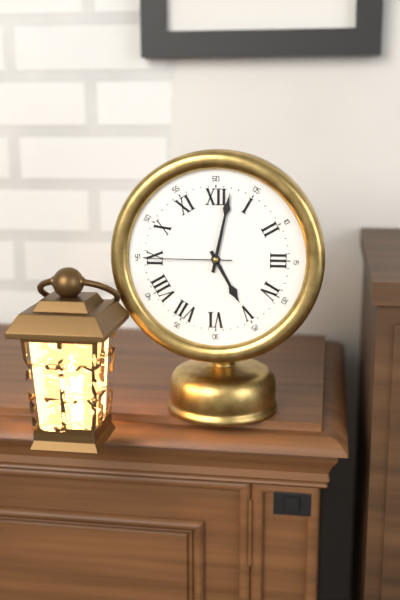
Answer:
5.02.45
